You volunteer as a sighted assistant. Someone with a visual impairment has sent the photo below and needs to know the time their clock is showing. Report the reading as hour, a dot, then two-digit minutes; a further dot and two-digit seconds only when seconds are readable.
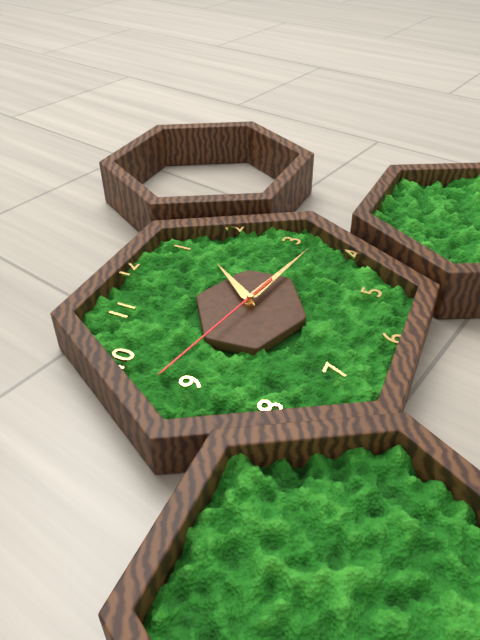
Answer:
1.17.47
